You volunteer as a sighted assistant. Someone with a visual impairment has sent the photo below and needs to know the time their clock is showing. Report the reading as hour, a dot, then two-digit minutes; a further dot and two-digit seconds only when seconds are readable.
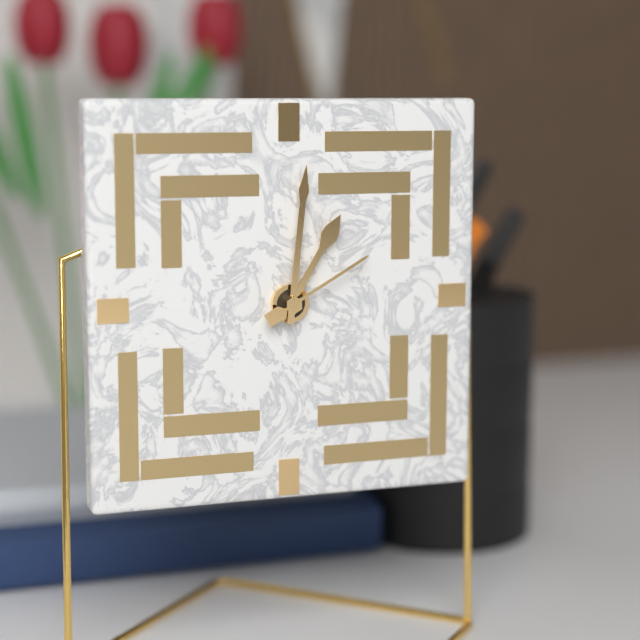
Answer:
1.01.10
